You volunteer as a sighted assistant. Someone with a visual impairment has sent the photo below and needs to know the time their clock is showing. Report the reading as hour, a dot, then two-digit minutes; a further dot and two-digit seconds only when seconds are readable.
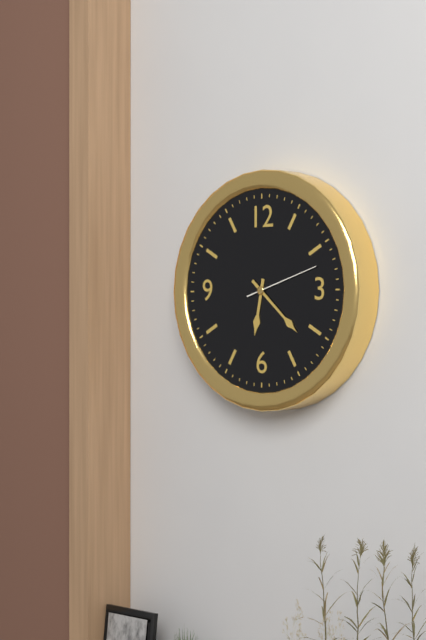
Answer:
6.22.12
